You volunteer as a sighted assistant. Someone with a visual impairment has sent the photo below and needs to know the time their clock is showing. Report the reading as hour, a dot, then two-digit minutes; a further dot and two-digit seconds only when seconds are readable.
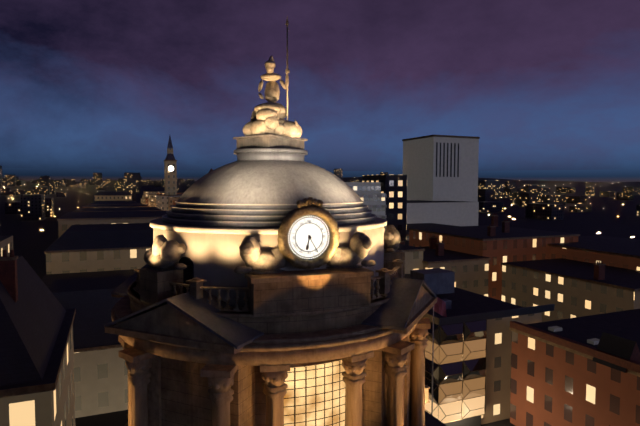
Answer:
6.25
